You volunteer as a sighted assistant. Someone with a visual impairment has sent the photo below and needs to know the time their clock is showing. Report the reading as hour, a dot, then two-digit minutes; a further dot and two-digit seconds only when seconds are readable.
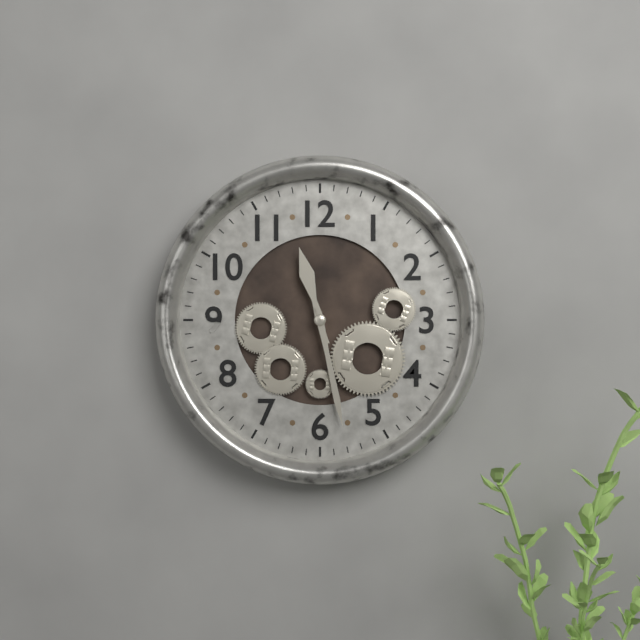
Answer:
11.28
